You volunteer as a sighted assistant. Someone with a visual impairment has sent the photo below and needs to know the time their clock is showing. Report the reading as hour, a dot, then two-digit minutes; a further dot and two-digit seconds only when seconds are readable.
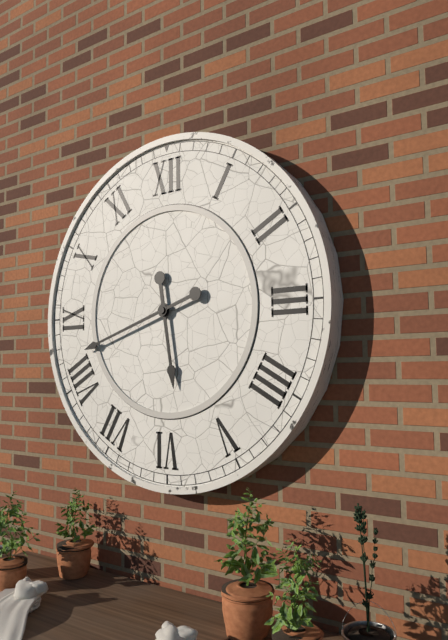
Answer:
5.42
